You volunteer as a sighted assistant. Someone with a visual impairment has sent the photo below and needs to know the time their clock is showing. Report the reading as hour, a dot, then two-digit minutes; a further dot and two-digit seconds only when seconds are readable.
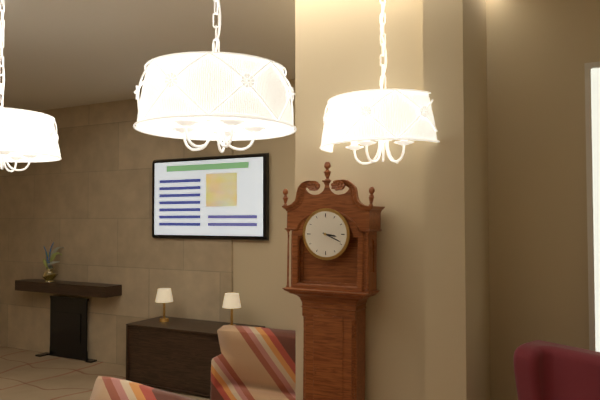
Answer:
3.19
